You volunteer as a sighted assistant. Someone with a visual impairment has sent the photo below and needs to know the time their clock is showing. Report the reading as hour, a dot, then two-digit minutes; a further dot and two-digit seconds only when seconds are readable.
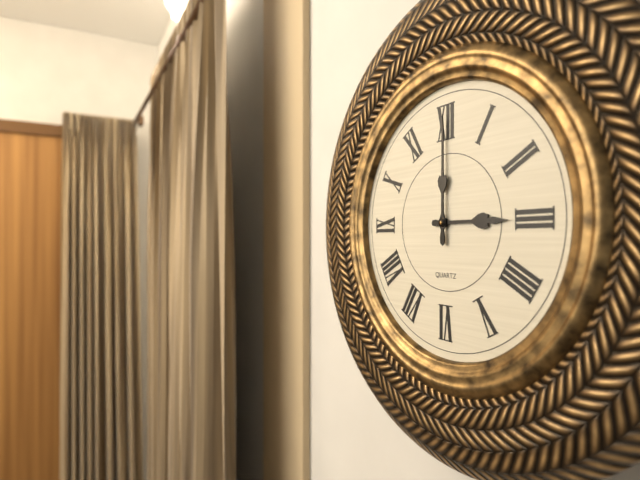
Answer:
3.00
